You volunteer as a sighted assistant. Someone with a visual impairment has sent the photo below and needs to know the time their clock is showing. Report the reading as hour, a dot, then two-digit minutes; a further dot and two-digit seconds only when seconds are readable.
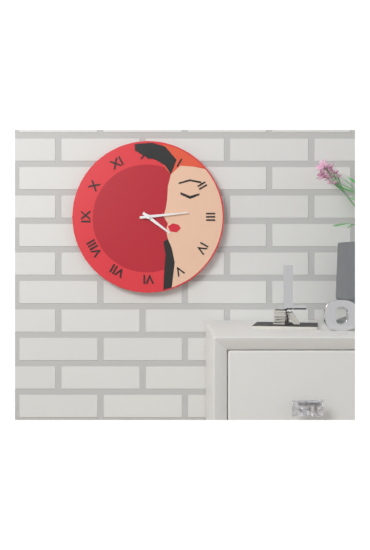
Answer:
4.14
